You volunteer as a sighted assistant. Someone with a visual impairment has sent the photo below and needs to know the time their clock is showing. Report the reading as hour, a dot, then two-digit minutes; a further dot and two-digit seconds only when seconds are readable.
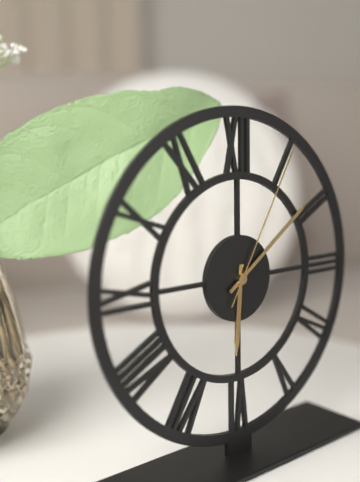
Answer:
6.09.05
